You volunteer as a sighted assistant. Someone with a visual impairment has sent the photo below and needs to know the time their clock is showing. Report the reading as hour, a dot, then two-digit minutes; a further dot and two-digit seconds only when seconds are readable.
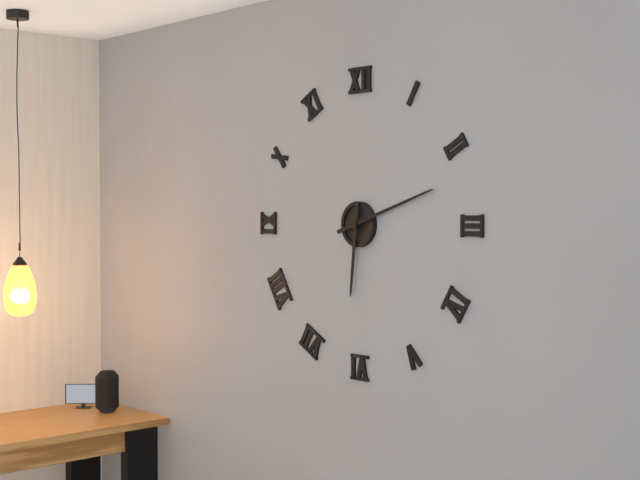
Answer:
6.12
